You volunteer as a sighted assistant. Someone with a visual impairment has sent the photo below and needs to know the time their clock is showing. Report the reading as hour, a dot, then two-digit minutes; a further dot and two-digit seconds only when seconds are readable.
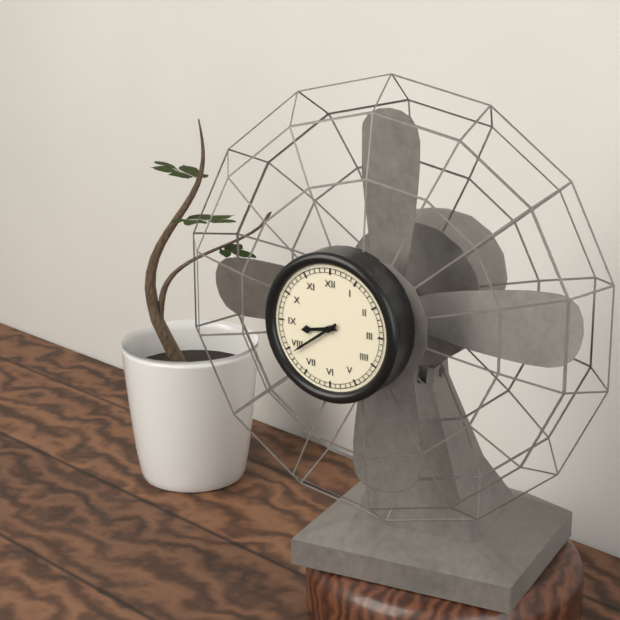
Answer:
8.39
